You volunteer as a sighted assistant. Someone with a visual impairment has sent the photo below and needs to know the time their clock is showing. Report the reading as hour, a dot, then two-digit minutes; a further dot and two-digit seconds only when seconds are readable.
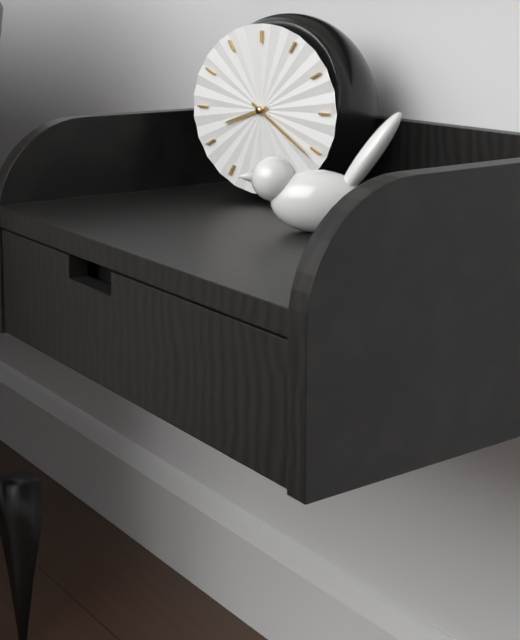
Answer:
8.21
